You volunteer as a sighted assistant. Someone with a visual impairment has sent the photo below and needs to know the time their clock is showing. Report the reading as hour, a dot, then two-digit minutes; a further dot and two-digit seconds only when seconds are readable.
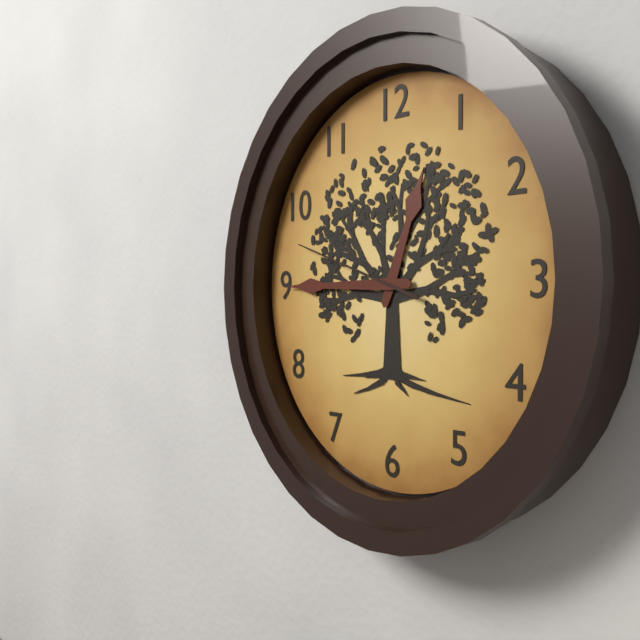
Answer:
12.45.48
